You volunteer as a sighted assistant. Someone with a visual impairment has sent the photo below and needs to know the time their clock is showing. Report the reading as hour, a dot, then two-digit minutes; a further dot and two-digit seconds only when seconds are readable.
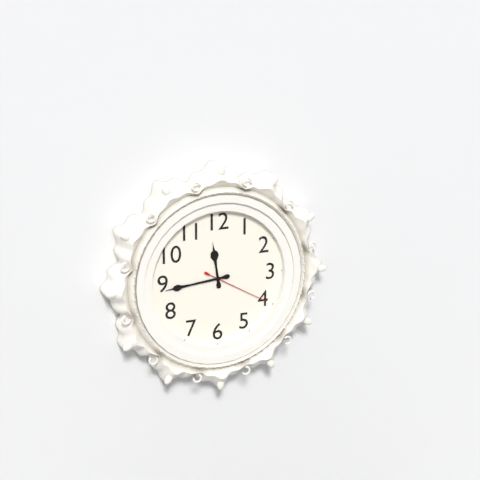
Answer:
11.44.20
